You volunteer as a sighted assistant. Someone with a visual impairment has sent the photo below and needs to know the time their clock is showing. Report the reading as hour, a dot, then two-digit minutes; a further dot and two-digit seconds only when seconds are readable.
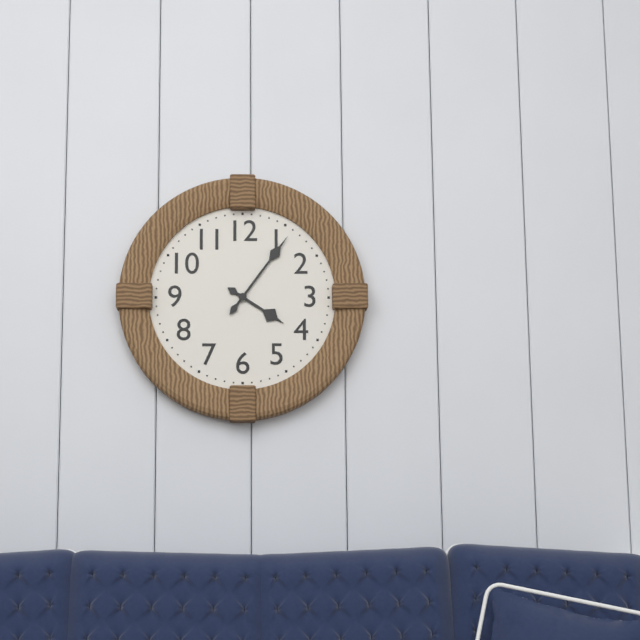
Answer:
4.06
